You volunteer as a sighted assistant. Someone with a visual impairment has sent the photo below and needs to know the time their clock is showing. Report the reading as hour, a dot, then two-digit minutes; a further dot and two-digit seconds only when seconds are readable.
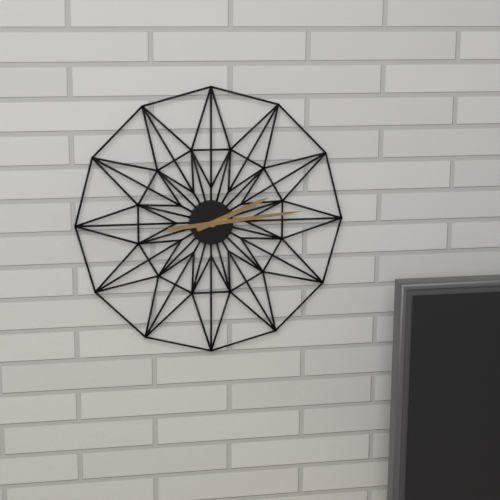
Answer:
2.14
